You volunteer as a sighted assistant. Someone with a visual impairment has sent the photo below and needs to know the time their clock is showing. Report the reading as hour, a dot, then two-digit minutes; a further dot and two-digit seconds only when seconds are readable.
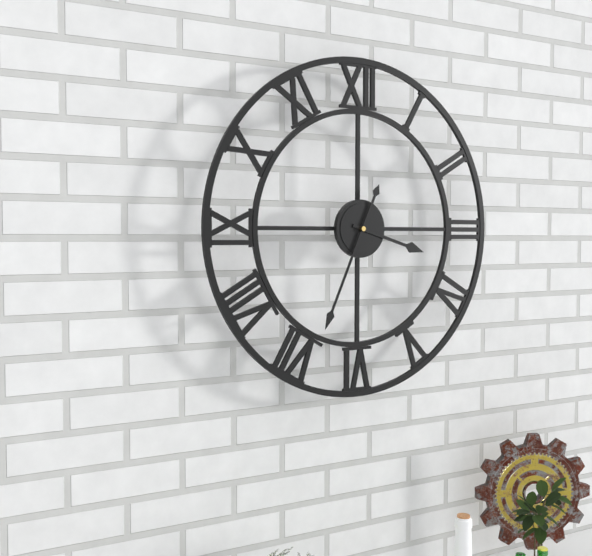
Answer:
3.34
